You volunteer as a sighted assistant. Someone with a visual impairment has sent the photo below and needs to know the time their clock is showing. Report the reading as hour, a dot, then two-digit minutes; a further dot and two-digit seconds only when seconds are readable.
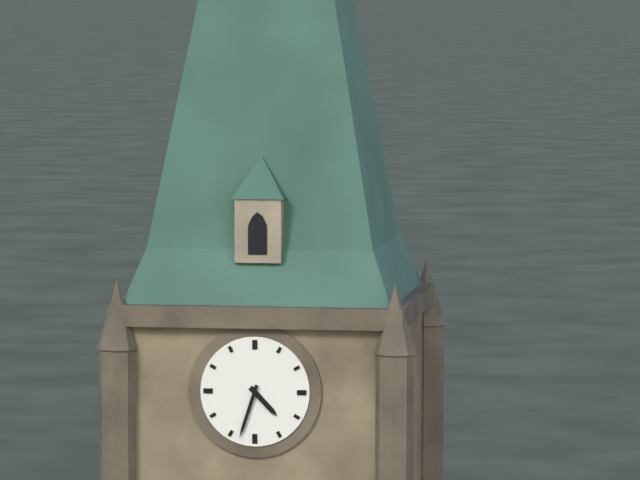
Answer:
4.33
